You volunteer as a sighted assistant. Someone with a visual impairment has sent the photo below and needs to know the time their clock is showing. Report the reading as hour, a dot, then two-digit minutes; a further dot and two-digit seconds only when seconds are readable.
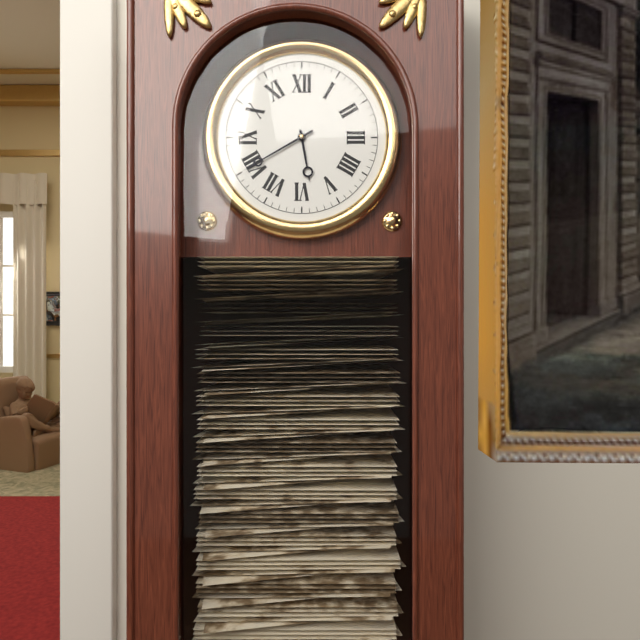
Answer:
5.40
